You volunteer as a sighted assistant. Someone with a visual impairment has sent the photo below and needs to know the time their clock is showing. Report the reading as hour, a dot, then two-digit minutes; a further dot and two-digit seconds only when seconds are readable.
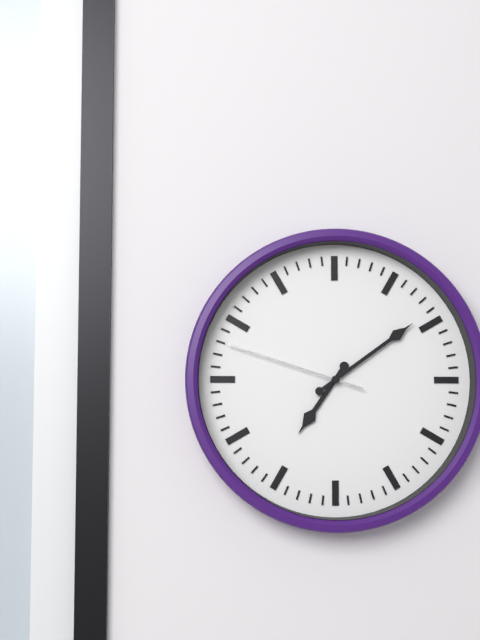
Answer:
7.09.48
